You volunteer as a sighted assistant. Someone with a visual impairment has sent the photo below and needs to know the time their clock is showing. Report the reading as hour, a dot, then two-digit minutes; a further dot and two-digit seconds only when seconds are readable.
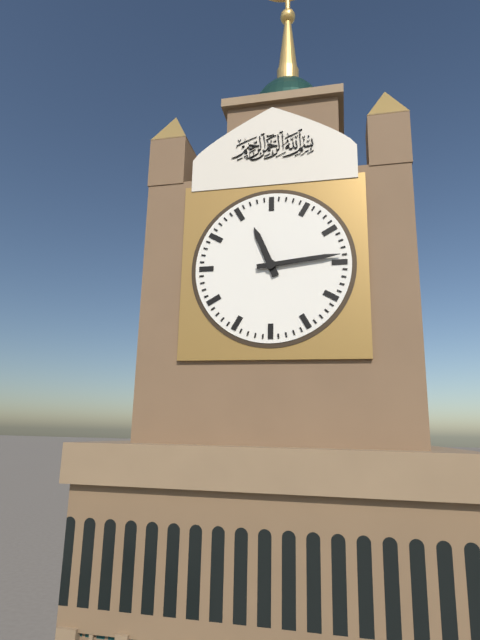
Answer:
11.14
